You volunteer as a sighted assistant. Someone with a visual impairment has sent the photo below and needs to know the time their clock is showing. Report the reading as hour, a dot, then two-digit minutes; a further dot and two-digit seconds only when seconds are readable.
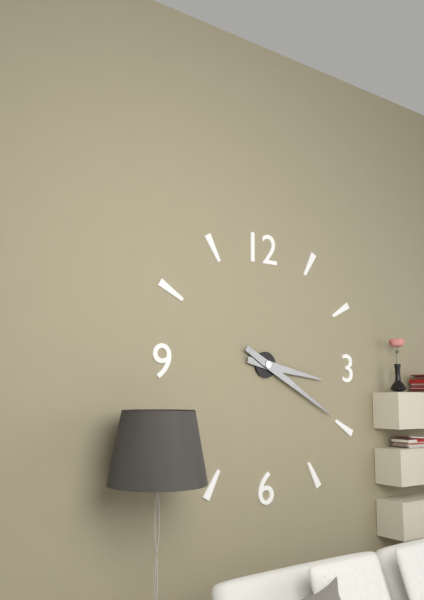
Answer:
3.20
